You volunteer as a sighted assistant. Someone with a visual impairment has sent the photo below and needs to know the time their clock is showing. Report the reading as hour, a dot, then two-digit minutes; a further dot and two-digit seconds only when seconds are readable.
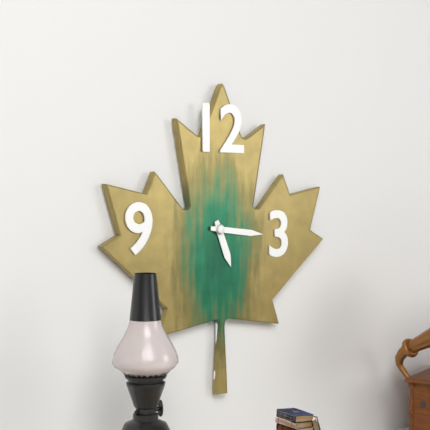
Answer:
5.16
